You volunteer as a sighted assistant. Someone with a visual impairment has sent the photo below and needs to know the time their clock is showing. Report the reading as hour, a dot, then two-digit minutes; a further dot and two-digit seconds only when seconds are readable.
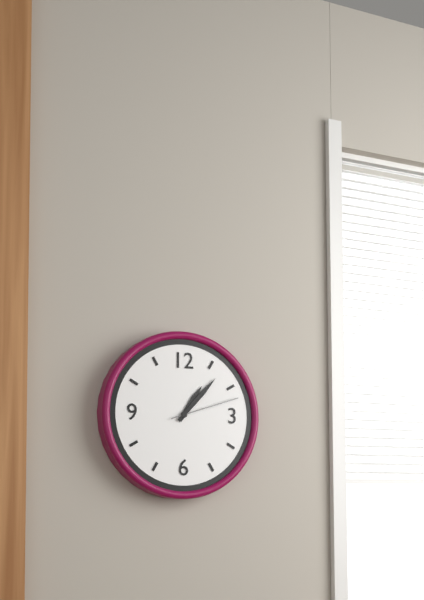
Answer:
1.07.12
